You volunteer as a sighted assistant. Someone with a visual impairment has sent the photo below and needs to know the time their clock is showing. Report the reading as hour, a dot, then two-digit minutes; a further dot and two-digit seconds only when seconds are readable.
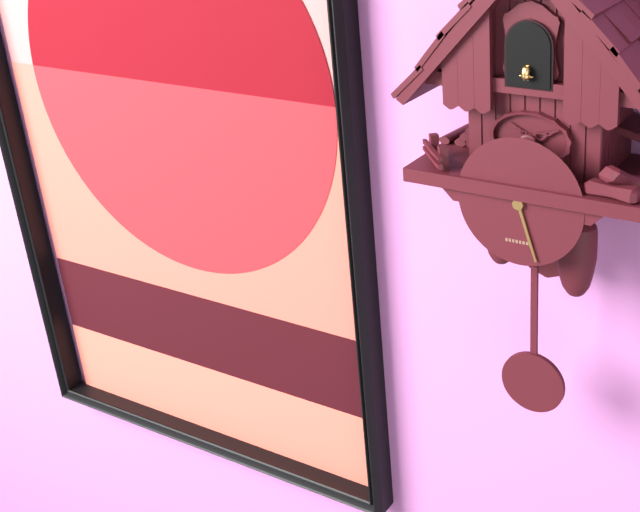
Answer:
5.27
